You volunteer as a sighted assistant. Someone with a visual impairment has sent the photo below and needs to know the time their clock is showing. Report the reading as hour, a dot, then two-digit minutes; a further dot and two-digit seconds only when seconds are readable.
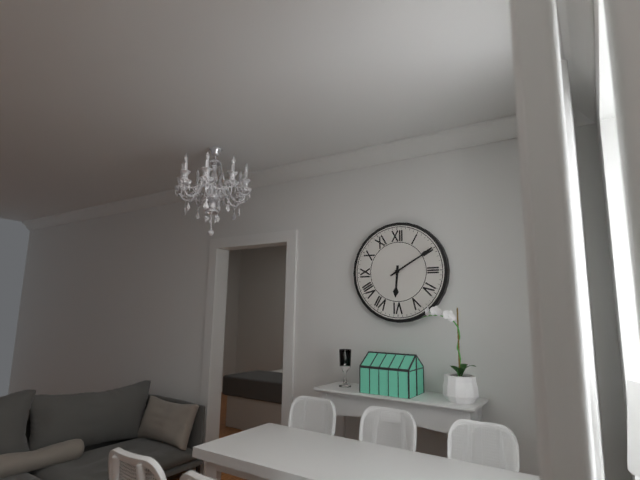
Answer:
6.10
